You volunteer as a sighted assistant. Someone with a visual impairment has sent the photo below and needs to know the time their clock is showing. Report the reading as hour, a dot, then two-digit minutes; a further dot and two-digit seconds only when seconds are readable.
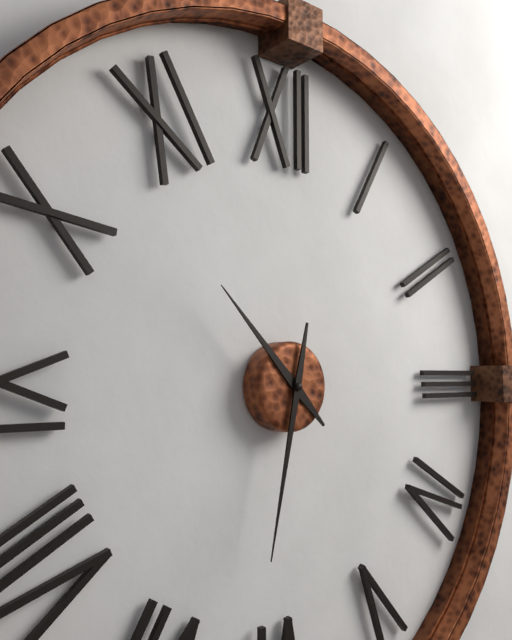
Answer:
10.32
